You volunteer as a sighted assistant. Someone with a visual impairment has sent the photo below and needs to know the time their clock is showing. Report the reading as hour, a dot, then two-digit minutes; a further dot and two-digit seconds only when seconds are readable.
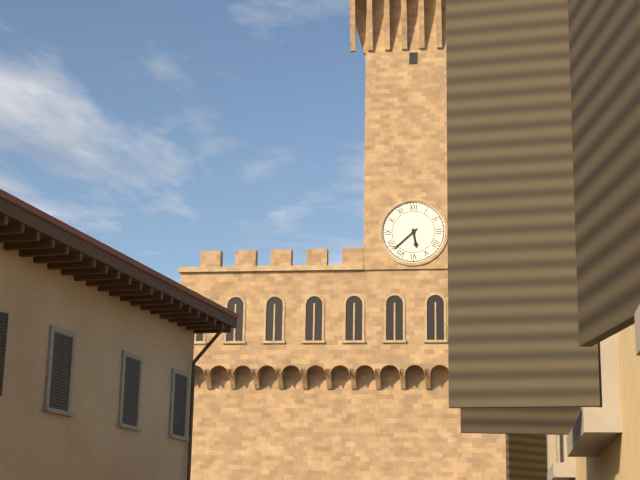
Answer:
5.38
